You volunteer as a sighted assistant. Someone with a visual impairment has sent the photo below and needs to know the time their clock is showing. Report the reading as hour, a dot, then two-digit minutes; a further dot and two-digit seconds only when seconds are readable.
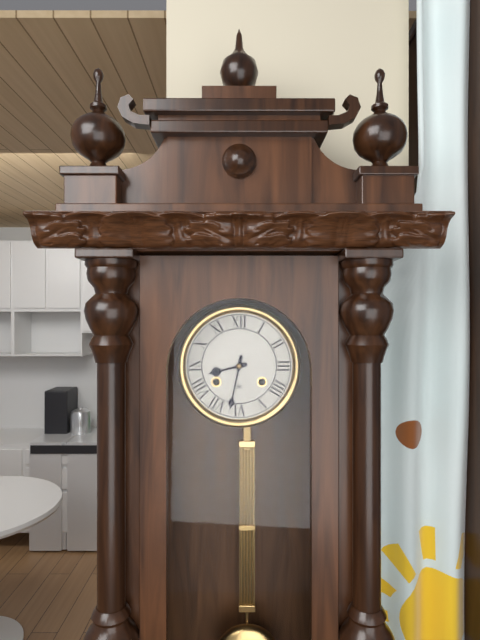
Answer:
8.32
